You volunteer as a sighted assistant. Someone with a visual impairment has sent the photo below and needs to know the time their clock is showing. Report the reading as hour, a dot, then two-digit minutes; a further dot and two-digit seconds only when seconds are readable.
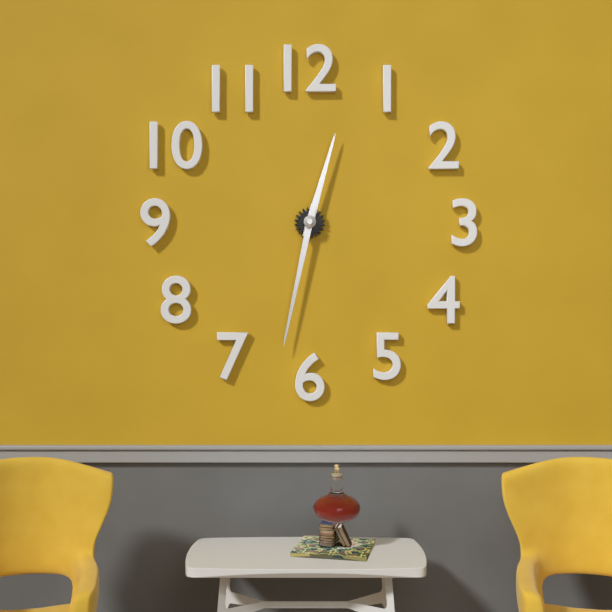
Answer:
12.32
